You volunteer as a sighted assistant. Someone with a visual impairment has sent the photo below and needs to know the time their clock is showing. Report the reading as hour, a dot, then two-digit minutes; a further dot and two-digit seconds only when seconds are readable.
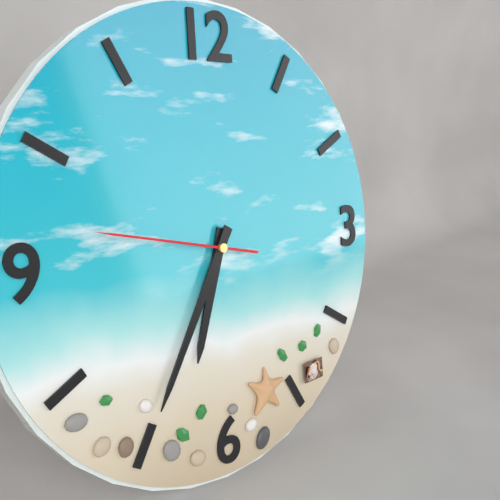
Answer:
6.35.47
